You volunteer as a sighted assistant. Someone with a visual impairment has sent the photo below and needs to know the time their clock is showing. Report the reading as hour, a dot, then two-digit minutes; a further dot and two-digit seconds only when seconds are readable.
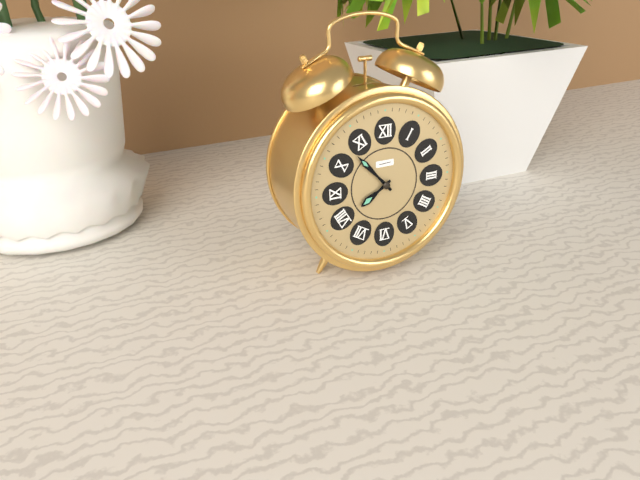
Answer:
7.53
